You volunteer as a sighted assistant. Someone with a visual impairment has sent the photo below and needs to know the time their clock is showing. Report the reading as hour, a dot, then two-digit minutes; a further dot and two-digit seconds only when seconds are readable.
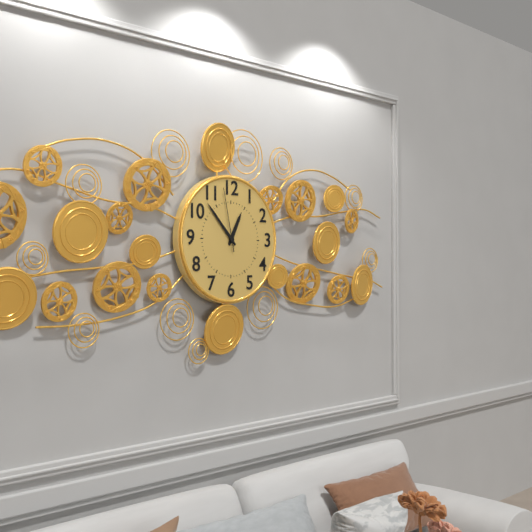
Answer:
12.53.58
